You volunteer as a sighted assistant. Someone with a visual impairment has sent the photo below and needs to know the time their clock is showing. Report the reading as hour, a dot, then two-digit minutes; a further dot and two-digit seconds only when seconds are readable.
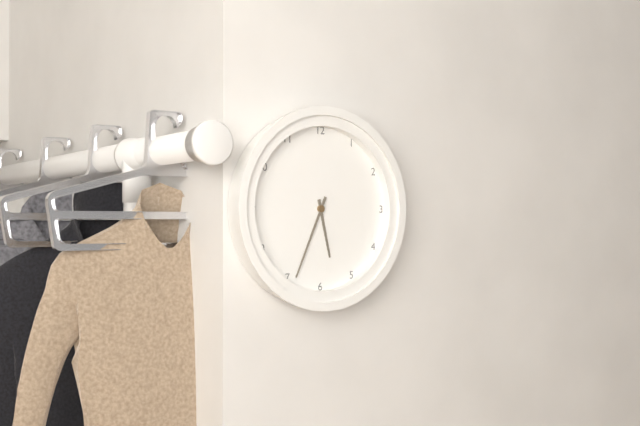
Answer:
5.34
